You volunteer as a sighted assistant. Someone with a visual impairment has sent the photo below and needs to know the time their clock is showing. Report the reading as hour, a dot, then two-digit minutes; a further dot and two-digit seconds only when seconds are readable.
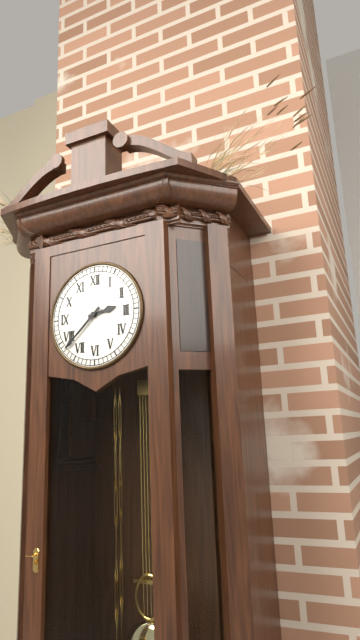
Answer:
2.38
